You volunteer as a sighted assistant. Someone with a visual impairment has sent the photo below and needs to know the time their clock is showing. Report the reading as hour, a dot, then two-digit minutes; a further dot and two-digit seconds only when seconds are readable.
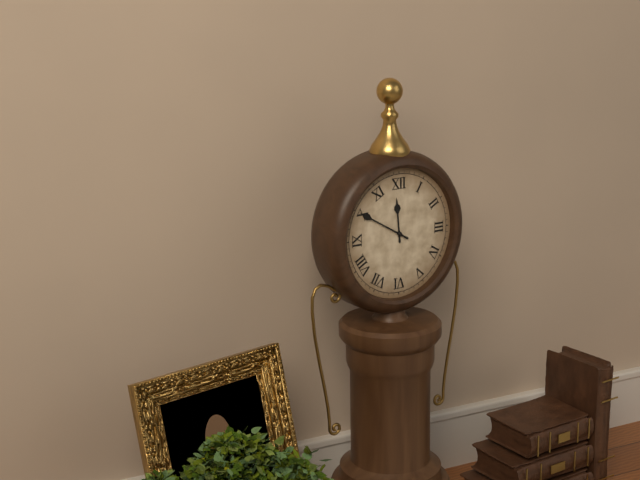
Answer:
11.50
